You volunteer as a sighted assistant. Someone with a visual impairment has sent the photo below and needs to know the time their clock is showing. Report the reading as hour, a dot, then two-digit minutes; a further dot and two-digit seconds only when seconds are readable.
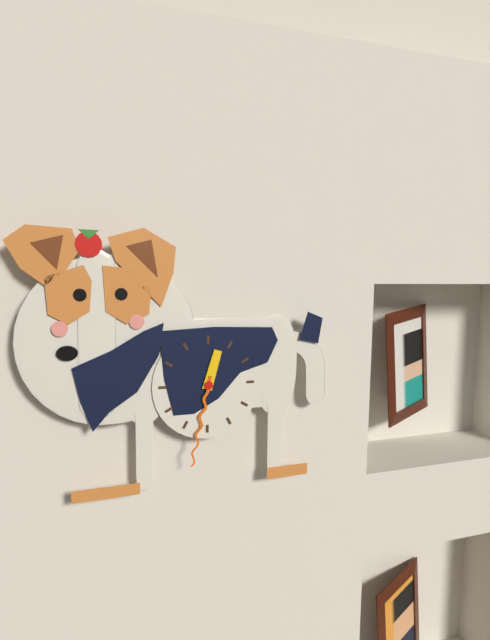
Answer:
12.32
